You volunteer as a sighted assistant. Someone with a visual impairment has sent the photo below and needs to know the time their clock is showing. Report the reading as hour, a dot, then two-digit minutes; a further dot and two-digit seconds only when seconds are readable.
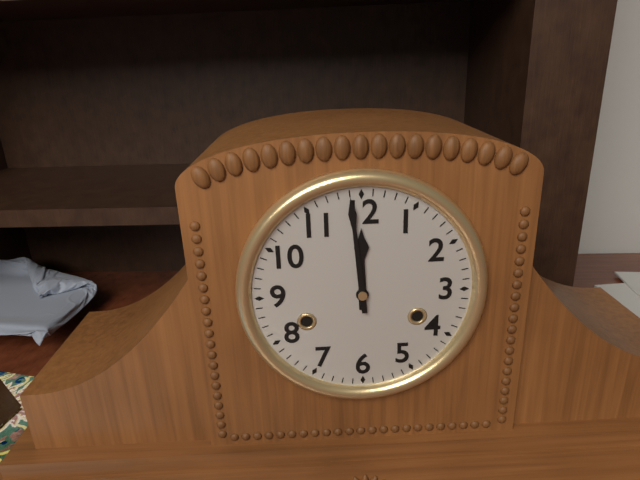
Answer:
11.59
